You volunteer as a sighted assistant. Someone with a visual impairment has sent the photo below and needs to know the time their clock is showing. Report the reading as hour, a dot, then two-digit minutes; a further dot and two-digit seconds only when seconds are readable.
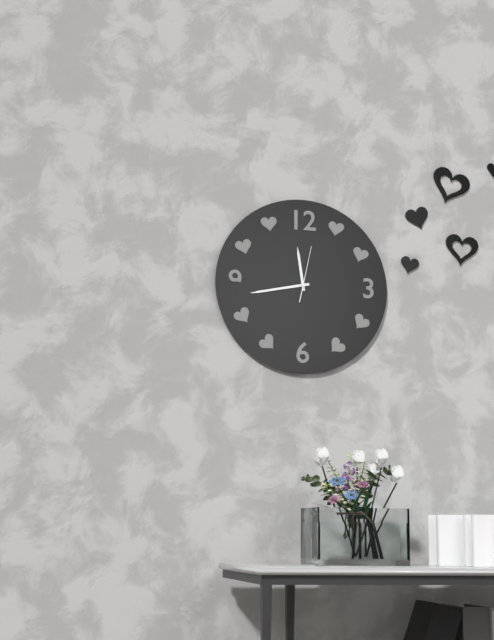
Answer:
11.43.02
